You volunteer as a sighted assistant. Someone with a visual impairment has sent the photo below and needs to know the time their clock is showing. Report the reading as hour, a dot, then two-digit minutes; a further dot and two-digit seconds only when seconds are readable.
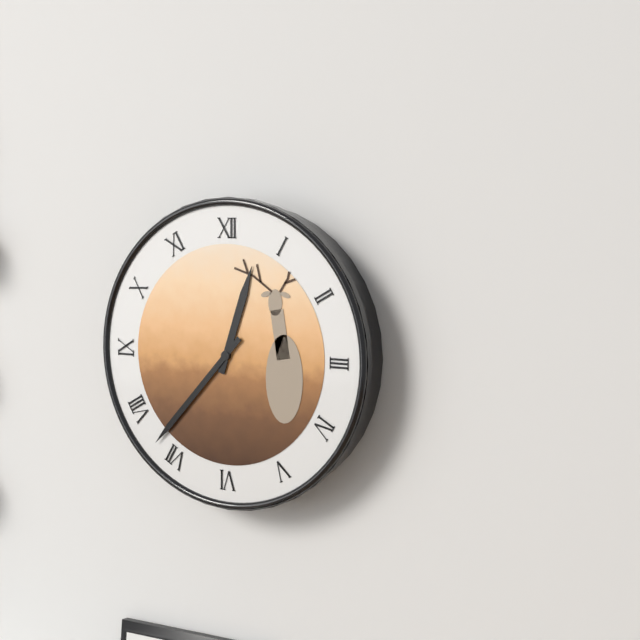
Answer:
12.37
